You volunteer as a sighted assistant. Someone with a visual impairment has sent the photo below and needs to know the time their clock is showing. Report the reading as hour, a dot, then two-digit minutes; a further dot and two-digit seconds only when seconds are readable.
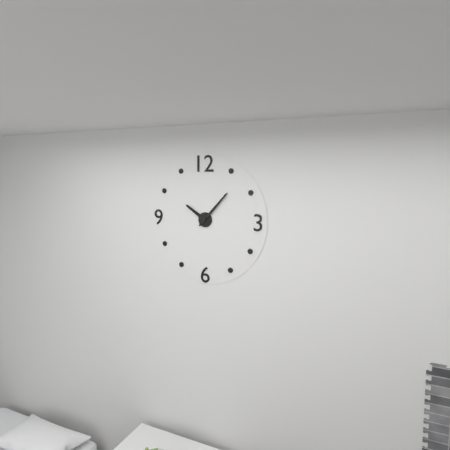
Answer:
10.07
